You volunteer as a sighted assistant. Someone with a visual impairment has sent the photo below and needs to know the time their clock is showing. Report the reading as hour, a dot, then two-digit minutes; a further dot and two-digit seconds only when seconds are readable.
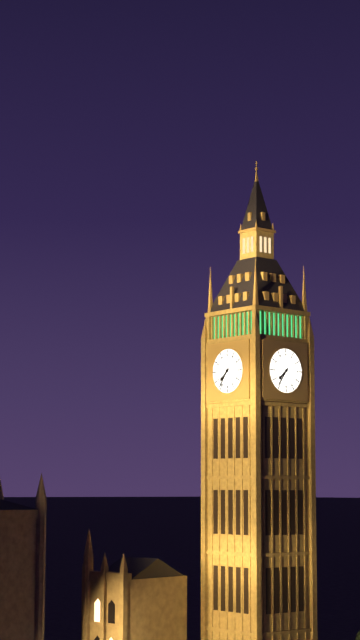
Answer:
7.36
